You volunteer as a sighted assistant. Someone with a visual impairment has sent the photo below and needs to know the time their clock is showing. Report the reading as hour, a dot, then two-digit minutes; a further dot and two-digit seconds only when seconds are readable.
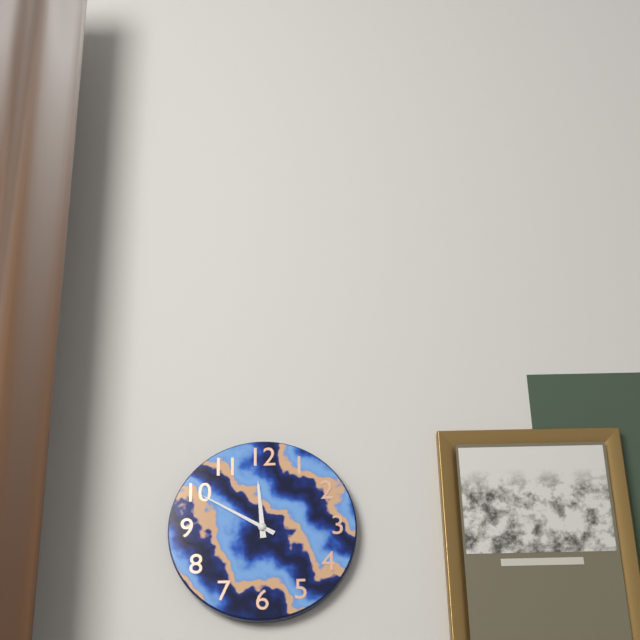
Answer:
11.50
